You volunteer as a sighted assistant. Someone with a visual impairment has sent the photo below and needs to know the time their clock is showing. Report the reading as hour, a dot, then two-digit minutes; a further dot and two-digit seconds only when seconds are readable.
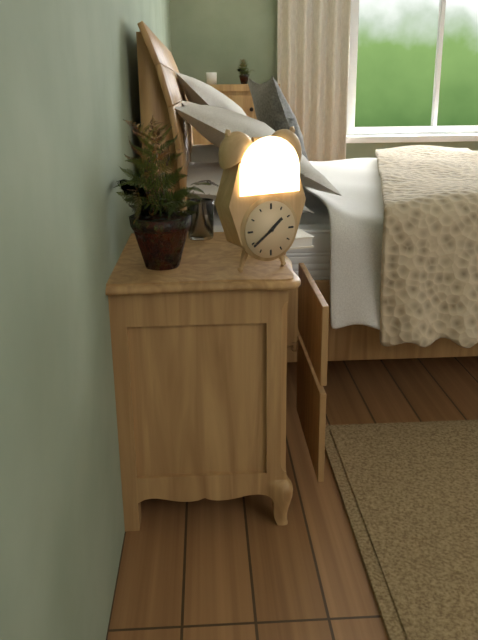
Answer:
1.39
